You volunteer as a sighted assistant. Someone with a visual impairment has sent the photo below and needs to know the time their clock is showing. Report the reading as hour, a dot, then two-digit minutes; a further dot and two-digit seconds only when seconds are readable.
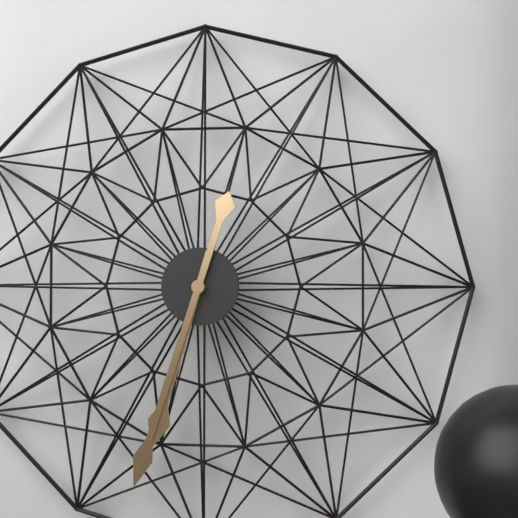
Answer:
6.33
